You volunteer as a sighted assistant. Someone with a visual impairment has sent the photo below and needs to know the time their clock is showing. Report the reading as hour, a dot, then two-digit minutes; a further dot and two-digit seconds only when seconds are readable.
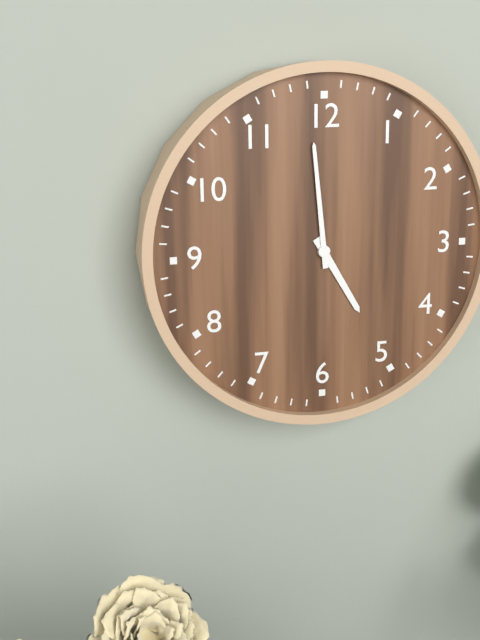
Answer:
4.59
